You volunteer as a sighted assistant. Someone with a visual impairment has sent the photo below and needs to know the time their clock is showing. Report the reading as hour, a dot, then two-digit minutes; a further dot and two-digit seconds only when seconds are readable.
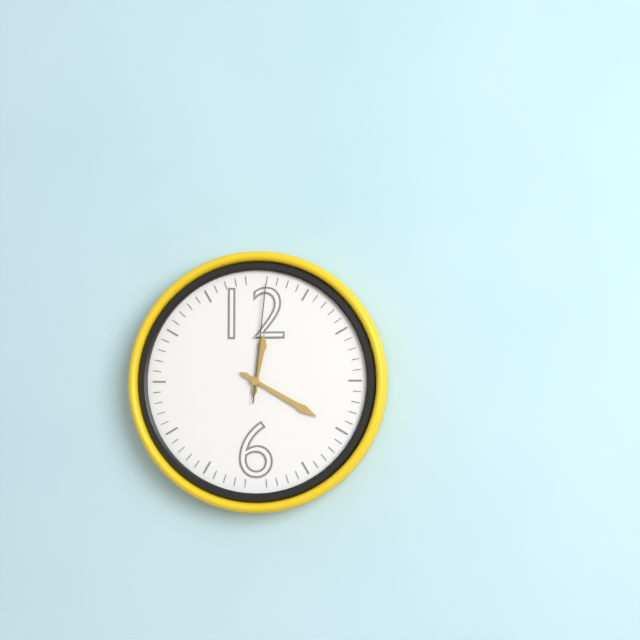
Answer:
12.20.01
